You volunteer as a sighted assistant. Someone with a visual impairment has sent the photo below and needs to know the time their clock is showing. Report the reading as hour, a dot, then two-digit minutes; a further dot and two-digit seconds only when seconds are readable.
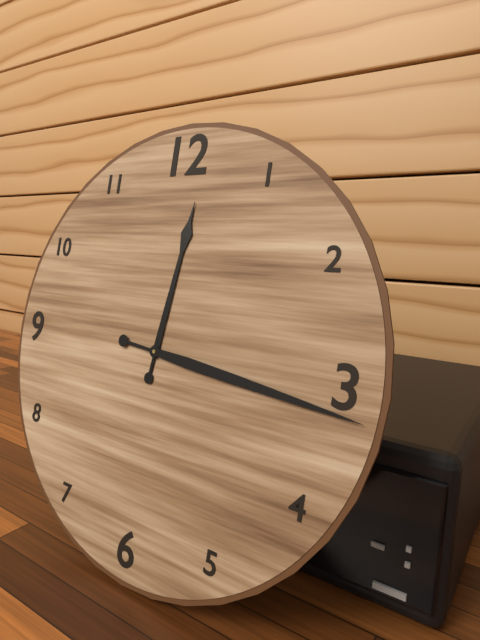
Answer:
12.16
